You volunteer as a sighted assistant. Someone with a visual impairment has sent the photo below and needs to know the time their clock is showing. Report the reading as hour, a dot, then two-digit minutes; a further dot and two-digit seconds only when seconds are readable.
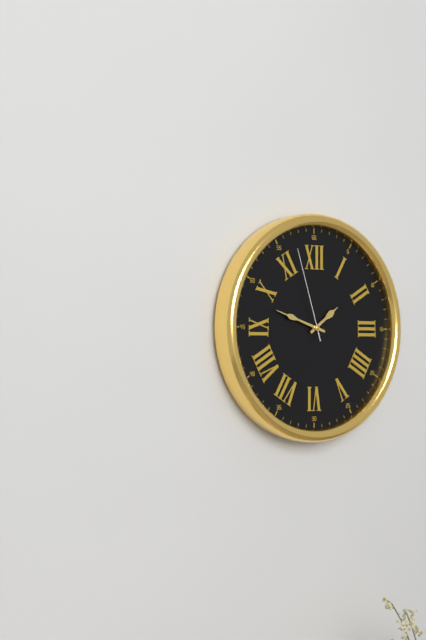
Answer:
1.48.57
